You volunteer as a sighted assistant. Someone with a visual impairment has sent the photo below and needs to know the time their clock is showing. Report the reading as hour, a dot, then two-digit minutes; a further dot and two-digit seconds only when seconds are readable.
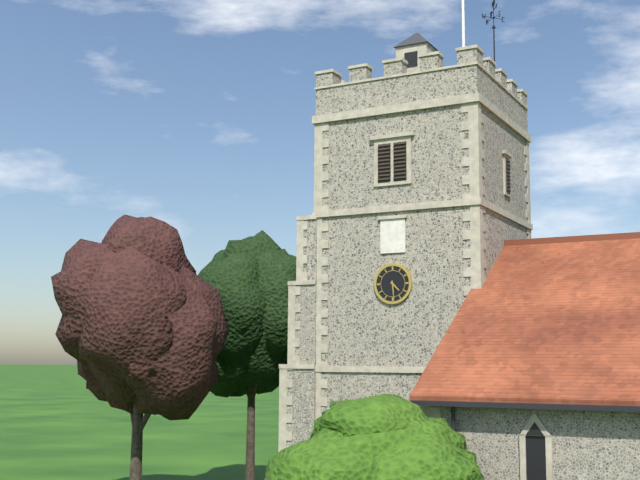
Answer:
4.29
